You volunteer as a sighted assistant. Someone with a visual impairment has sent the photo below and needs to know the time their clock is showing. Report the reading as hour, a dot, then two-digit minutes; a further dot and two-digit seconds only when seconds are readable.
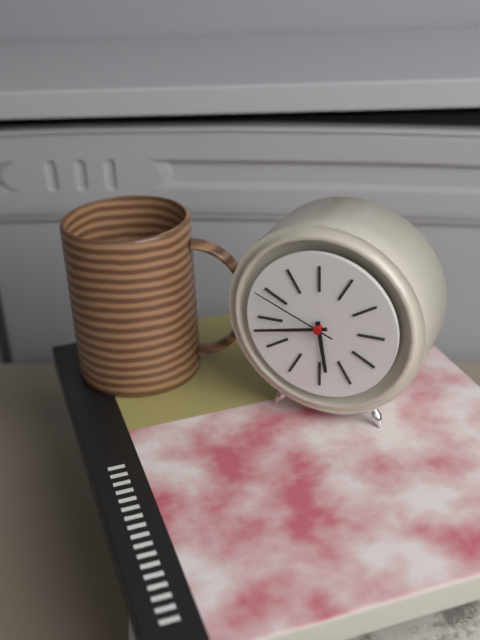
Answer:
5.43.49
